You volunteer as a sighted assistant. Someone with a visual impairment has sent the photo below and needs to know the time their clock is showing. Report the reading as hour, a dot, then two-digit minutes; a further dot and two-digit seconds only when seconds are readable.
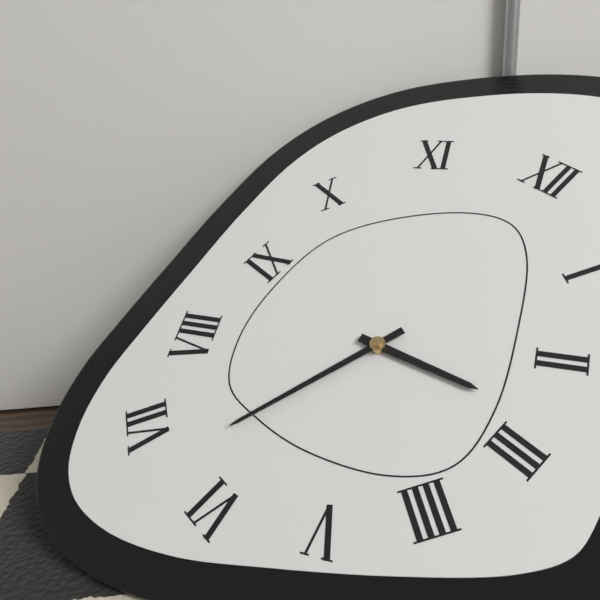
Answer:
2.33
